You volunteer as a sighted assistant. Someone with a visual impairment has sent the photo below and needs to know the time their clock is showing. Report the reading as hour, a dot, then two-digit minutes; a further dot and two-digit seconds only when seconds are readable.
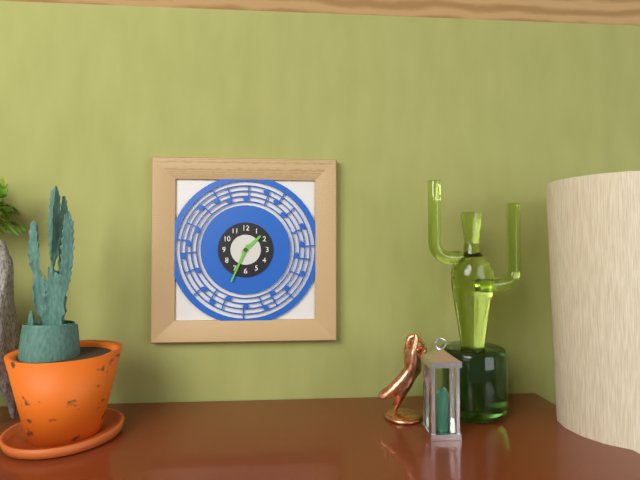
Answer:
1.34
